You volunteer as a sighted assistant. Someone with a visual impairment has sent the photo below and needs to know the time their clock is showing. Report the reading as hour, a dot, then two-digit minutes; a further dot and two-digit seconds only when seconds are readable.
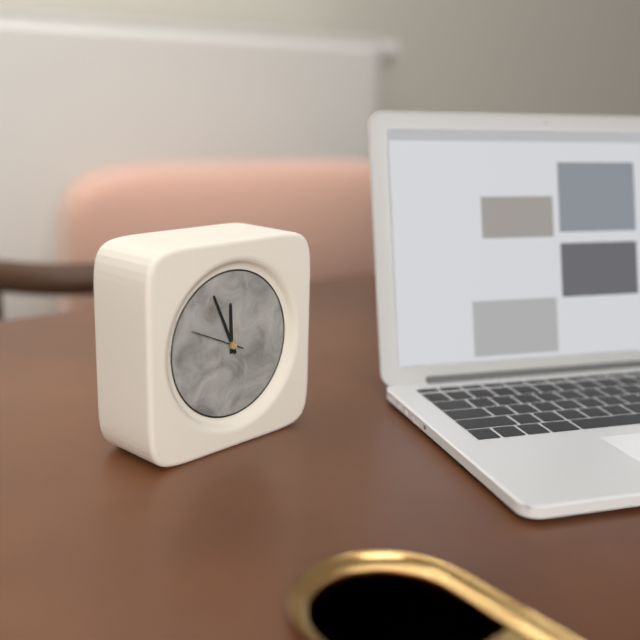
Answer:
11.56.49
